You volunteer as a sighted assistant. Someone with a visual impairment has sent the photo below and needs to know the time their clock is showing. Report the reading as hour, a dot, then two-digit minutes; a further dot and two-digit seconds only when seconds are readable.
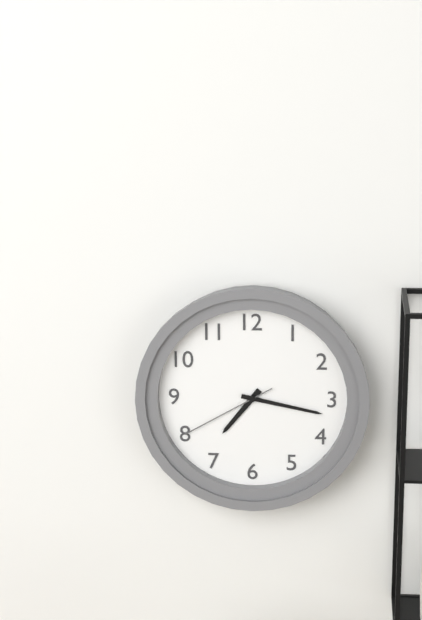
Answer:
7.17.40
